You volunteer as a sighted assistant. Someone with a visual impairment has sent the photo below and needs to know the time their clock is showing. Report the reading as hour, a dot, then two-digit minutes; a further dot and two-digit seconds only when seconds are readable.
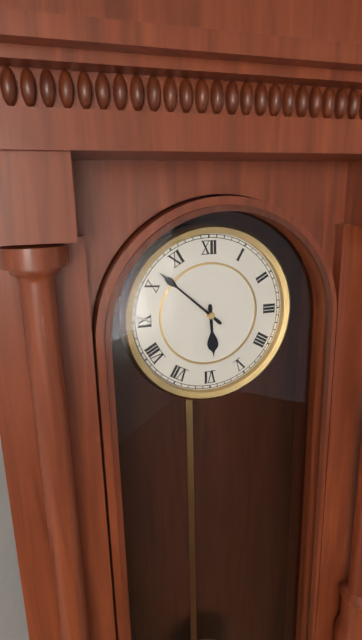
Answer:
5.52
